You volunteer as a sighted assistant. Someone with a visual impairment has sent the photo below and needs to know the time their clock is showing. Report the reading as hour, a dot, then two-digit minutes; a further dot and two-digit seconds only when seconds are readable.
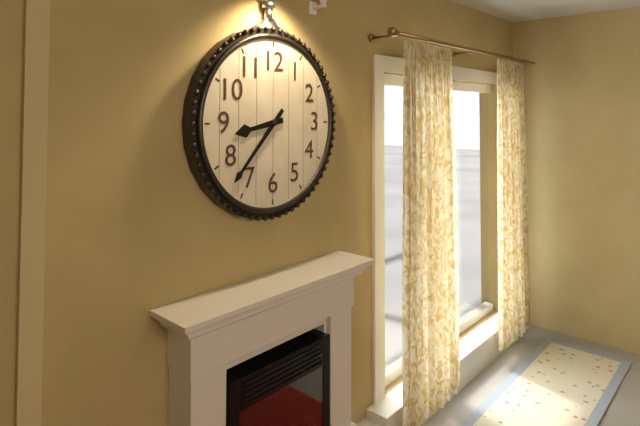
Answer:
8.37
